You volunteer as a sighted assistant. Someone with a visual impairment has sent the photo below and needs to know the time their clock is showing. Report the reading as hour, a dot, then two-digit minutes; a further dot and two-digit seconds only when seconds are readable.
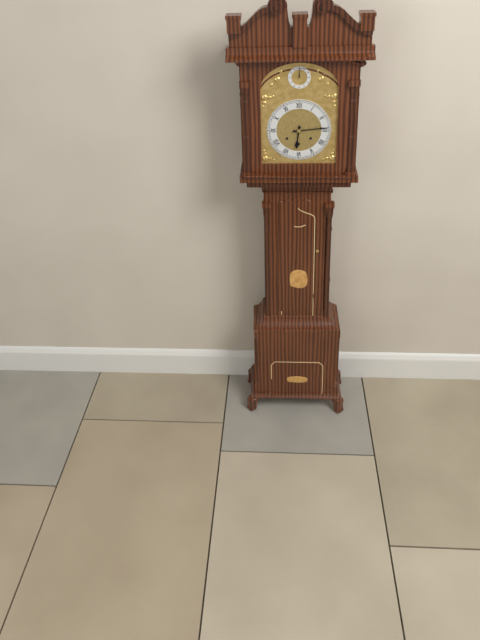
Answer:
6.14
